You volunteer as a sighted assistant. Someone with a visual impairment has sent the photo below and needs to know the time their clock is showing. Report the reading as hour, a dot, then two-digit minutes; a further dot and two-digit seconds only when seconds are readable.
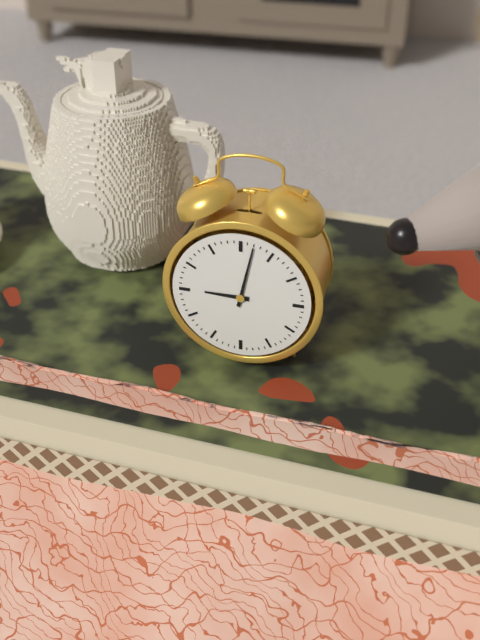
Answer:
9.02
